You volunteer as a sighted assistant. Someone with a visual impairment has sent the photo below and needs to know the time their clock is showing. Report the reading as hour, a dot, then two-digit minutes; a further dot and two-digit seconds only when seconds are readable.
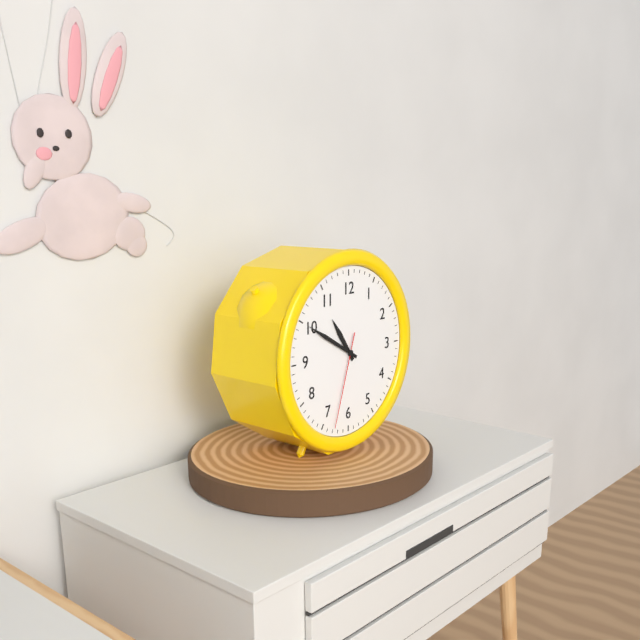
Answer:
10.50.33
